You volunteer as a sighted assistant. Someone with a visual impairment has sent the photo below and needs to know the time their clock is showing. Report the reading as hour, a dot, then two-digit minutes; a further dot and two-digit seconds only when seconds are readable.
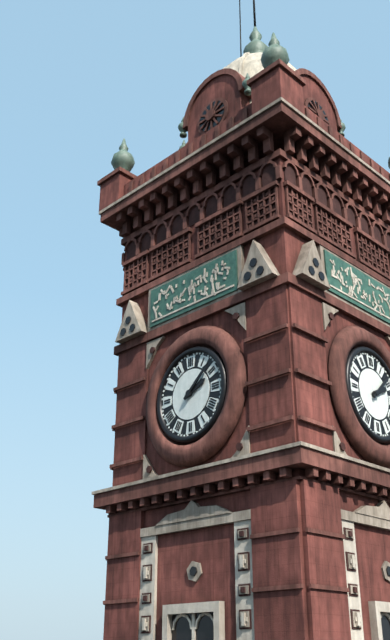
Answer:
2.08
